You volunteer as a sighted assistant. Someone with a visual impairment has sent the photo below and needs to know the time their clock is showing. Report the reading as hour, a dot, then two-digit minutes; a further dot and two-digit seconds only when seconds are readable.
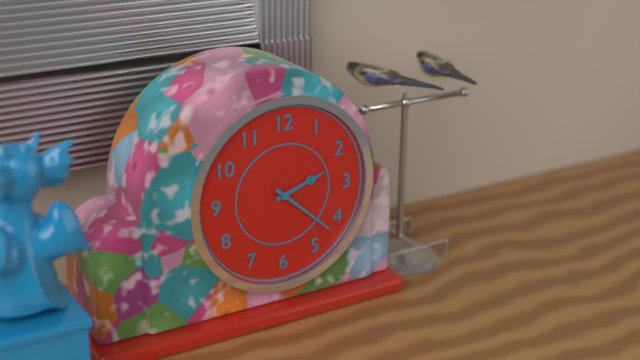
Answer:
2.22
